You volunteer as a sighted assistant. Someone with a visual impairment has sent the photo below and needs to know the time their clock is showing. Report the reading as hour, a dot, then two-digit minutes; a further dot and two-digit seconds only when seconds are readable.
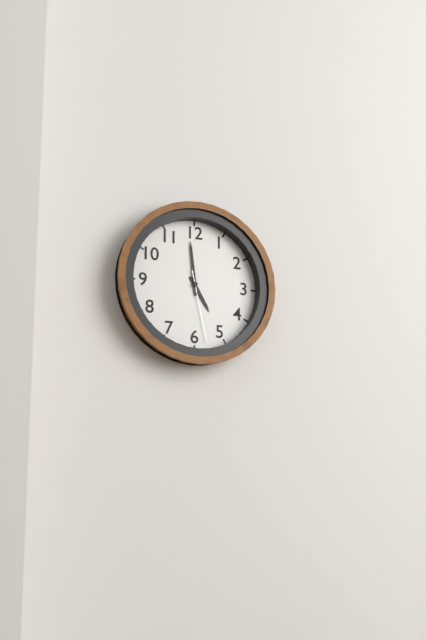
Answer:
4.59.28
